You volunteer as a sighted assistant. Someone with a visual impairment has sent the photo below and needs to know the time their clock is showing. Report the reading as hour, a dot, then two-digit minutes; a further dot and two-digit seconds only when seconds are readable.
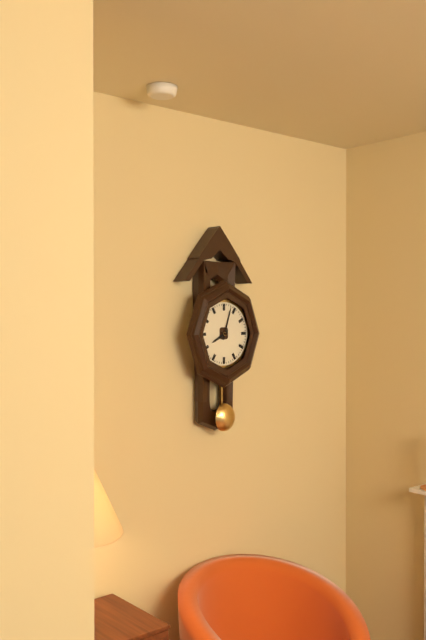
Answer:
8.03
